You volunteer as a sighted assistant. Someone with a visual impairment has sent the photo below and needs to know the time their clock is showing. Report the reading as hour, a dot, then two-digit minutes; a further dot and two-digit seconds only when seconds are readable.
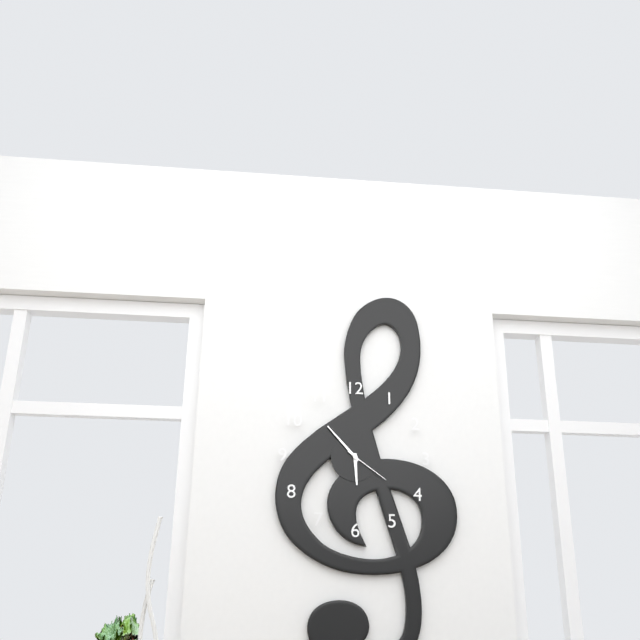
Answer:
5.53
